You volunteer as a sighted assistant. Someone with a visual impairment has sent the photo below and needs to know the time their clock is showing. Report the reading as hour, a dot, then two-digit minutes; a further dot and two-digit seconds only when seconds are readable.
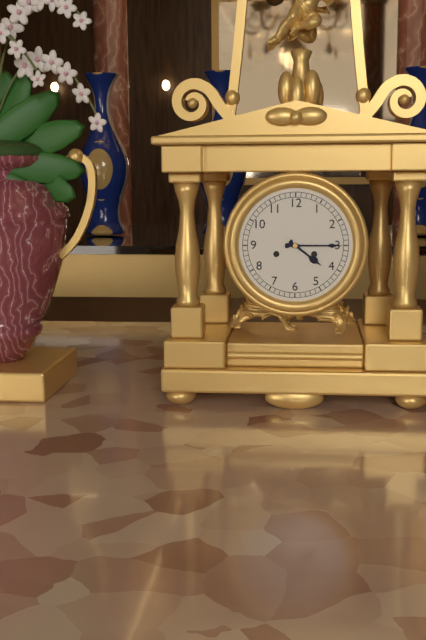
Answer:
4.15
